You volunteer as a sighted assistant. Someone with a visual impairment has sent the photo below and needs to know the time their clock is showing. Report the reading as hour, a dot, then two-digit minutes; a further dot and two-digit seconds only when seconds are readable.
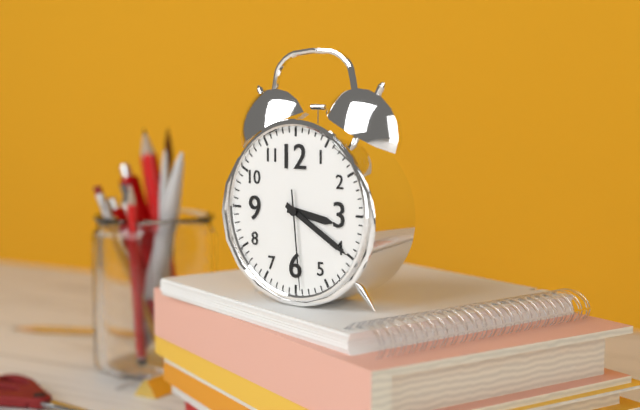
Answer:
3.20.29
